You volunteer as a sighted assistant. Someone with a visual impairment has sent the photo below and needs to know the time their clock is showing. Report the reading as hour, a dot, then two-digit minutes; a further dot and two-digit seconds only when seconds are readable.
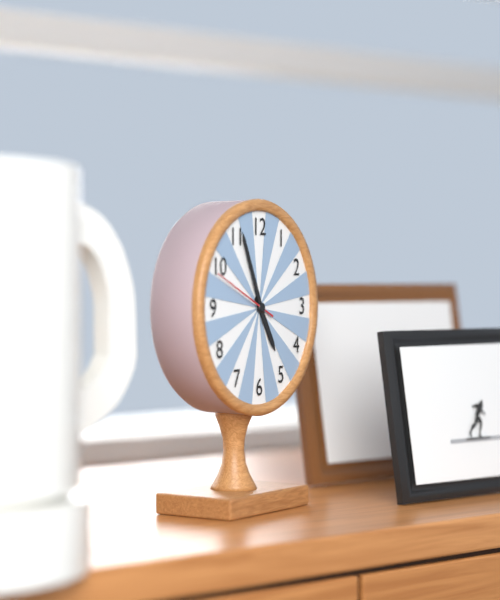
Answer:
4.56
